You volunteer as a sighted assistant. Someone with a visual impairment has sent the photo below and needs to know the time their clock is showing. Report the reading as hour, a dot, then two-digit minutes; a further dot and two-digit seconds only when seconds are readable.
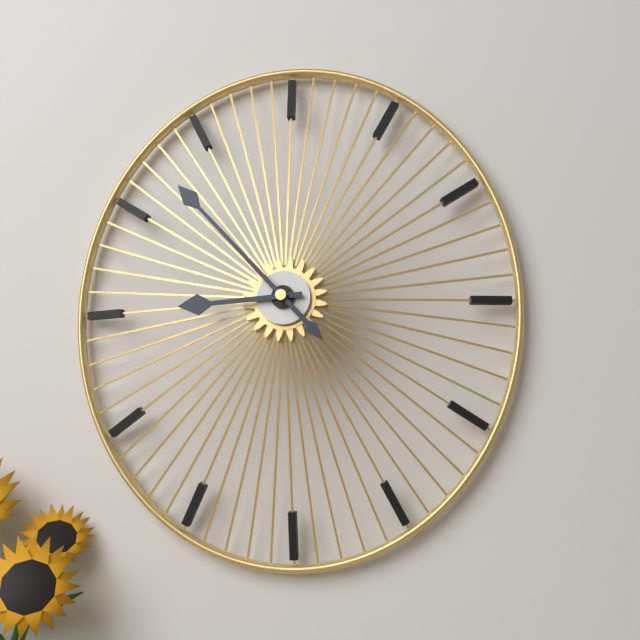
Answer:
8.53
